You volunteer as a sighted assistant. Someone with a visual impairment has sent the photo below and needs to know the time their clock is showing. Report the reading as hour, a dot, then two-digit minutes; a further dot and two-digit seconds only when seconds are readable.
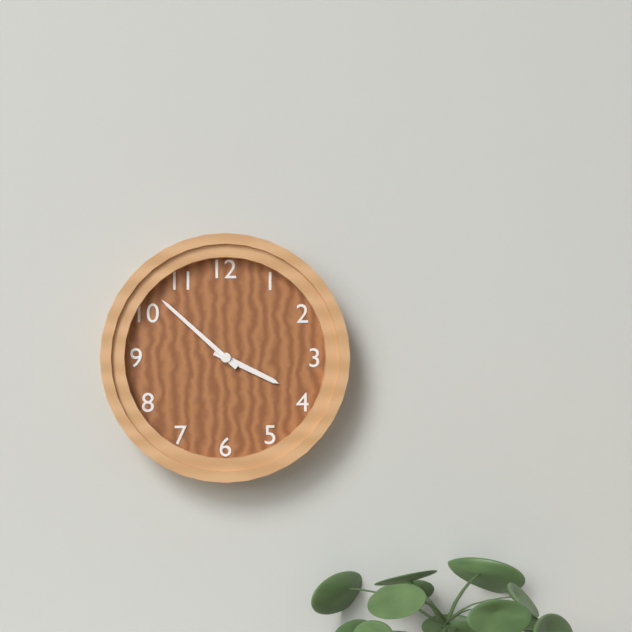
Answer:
3.52
